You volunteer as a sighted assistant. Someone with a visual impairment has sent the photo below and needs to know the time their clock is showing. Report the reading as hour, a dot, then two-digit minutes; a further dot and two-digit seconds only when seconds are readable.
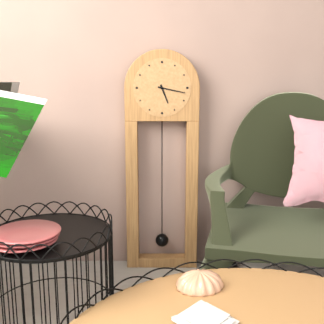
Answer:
5.17
